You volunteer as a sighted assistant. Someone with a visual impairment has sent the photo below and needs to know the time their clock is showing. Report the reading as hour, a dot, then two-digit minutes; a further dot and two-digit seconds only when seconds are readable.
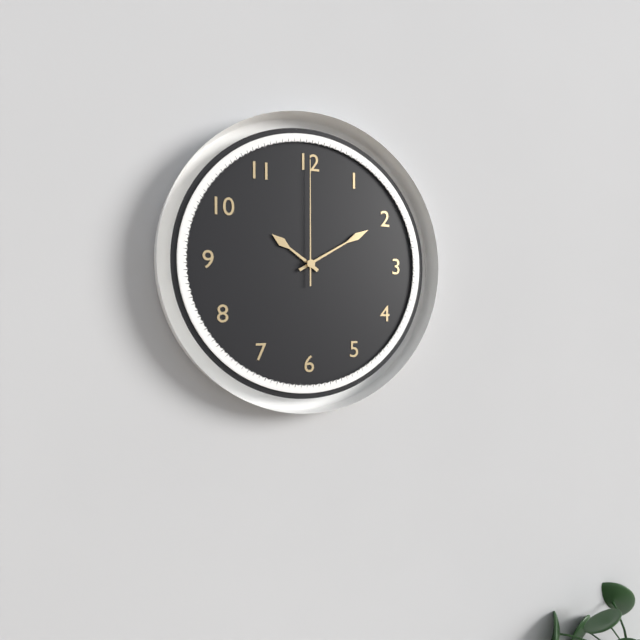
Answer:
10.10.00
